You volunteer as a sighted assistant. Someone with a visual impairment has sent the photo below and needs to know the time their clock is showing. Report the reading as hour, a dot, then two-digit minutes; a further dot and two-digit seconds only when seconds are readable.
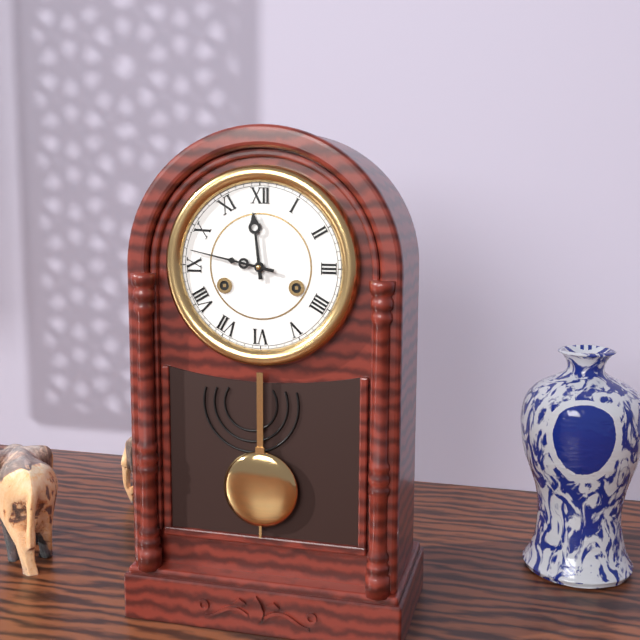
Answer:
11.47
